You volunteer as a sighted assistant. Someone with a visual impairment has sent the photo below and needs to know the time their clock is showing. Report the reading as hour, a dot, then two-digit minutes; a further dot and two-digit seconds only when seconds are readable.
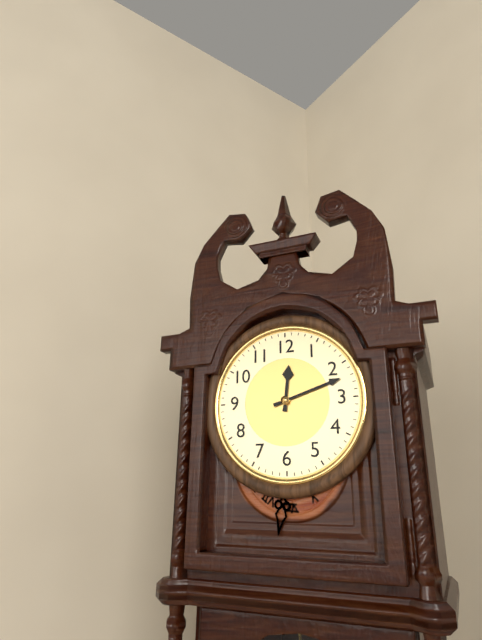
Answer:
12.12
